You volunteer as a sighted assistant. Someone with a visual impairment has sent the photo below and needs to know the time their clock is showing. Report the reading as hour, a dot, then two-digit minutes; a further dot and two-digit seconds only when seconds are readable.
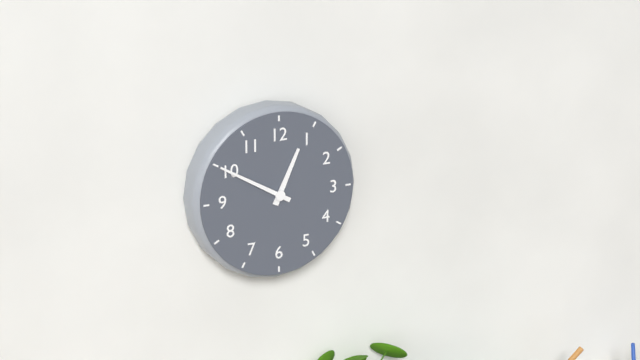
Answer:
12.50
